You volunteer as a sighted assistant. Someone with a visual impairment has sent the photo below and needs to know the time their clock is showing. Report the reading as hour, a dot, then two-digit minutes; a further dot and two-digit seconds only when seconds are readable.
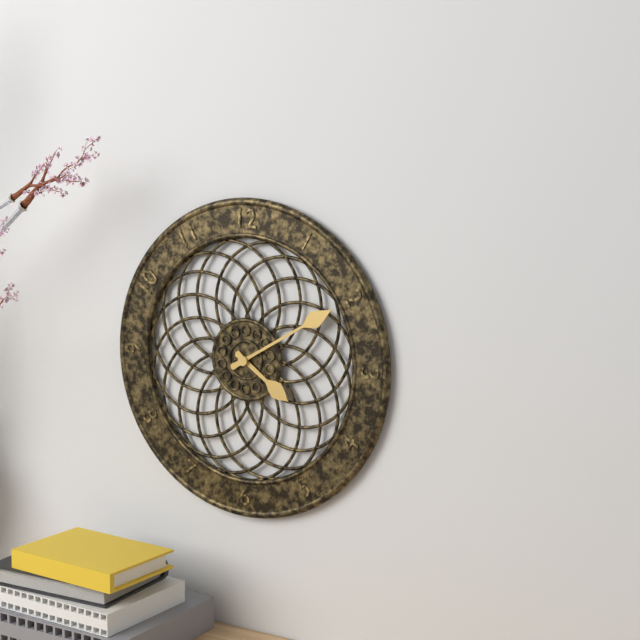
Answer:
4.10
